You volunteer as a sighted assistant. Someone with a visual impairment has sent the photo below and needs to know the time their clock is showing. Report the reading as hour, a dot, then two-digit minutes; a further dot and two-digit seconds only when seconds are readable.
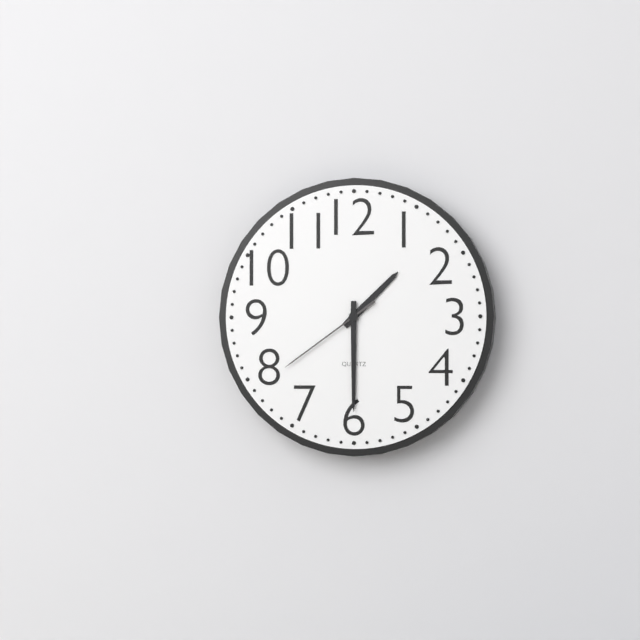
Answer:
1.30.39
